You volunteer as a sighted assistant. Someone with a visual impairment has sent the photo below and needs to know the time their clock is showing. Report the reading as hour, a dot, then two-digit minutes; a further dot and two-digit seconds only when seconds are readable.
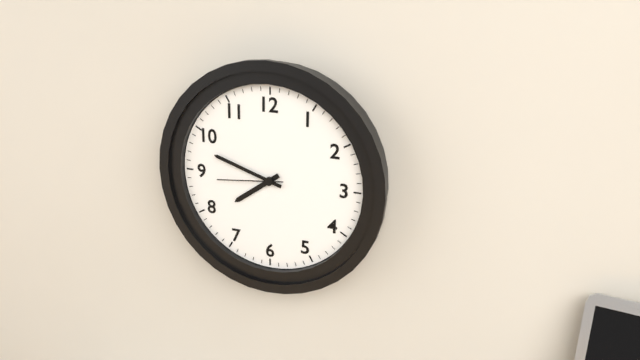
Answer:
7.48.44
